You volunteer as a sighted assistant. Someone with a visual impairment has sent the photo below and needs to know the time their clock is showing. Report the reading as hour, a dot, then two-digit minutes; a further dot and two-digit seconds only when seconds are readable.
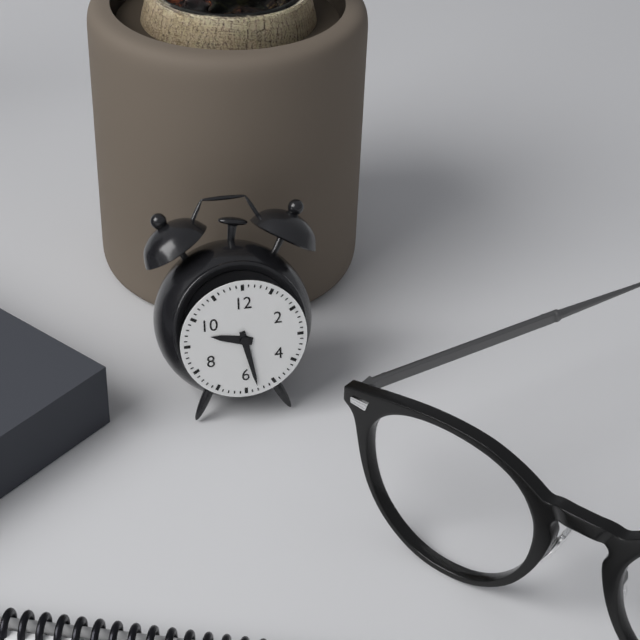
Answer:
9.28
